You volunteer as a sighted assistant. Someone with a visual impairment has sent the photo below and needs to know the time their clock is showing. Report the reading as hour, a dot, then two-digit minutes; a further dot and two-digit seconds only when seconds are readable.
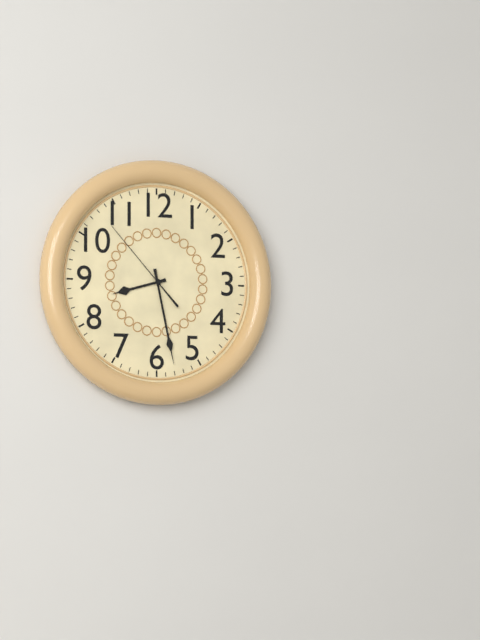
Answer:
8.28.53
